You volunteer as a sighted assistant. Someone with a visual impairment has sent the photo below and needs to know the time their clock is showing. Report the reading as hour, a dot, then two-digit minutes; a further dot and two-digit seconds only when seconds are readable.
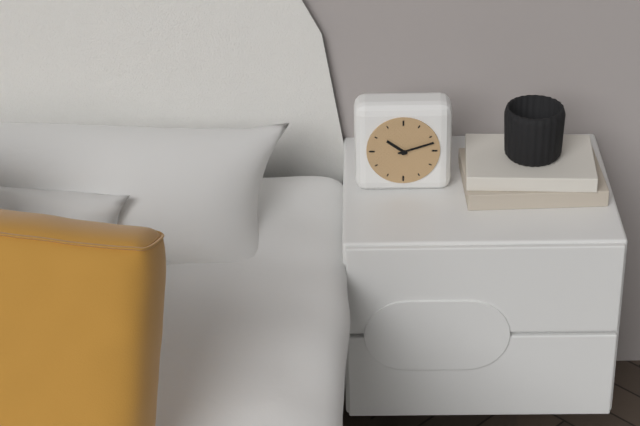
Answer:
10.12
